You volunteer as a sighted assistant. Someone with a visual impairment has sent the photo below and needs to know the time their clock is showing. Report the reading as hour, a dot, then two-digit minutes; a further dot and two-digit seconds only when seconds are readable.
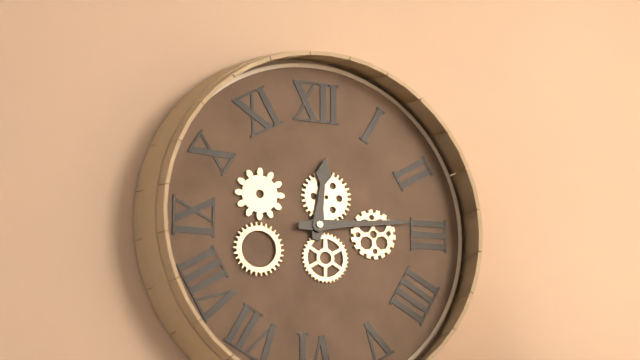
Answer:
12.14
